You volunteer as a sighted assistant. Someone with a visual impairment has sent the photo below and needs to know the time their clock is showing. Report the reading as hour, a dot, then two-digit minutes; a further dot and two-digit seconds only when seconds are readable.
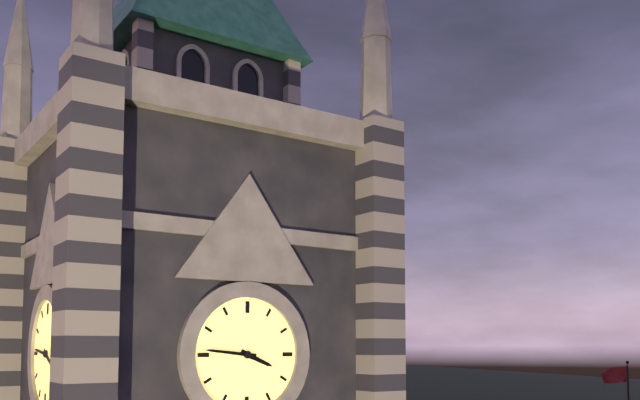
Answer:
3.46
